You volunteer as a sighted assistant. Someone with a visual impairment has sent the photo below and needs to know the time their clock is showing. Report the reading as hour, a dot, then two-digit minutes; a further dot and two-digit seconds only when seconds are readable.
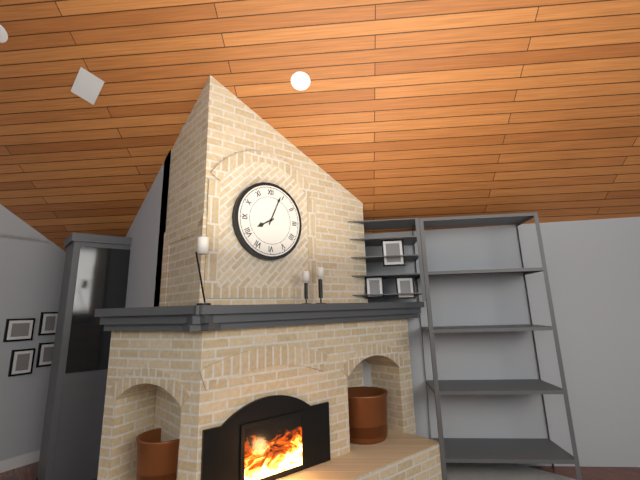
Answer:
8.04
